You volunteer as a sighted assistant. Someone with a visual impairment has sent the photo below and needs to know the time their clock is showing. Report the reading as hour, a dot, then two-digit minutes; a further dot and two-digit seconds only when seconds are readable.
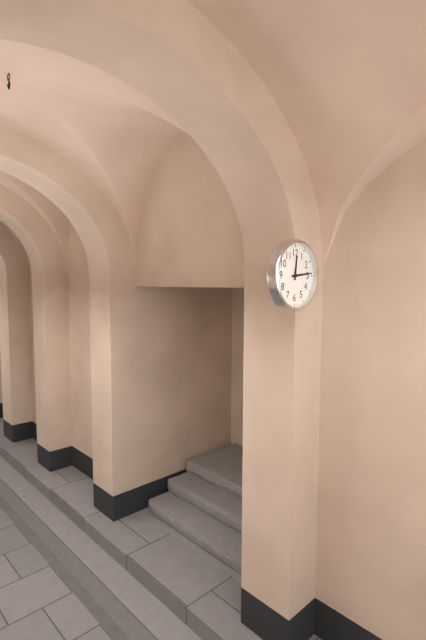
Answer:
12.14
